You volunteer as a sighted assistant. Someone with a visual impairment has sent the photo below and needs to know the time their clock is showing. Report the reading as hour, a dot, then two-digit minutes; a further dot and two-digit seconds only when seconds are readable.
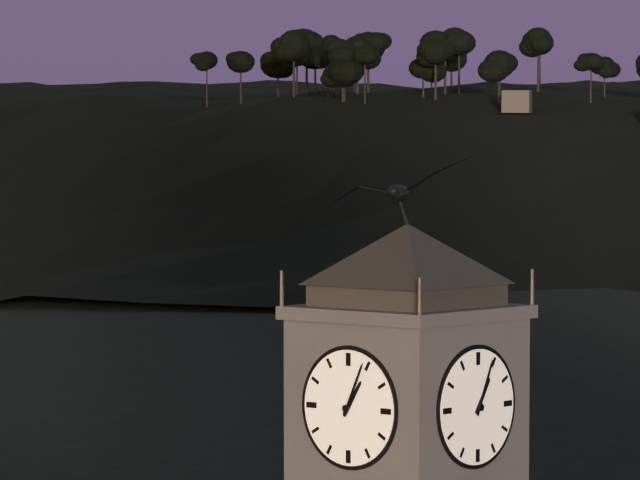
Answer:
1.04
